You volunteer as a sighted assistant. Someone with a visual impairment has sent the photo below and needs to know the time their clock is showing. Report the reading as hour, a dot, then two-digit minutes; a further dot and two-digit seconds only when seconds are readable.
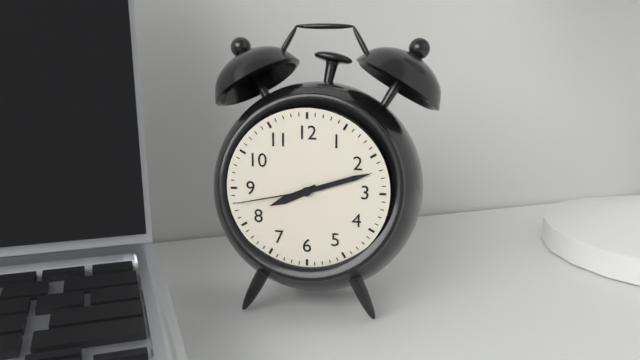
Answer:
8.12.43
